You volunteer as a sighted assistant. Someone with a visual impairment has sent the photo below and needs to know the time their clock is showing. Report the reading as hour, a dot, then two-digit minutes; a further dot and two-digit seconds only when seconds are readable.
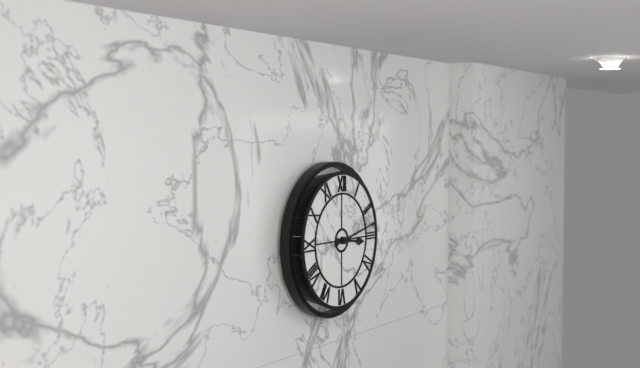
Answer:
3.13
